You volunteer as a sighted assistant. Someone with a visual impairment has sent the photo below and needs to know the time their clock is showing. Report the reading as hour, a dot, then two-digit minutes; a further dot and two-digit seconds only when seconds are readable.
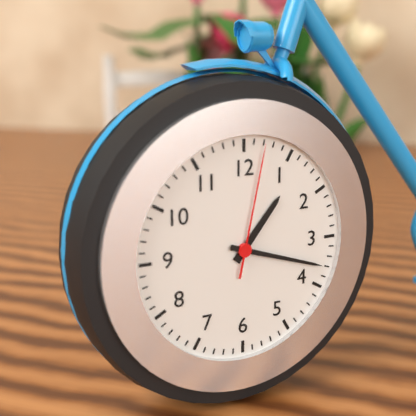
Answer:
1.18.02
